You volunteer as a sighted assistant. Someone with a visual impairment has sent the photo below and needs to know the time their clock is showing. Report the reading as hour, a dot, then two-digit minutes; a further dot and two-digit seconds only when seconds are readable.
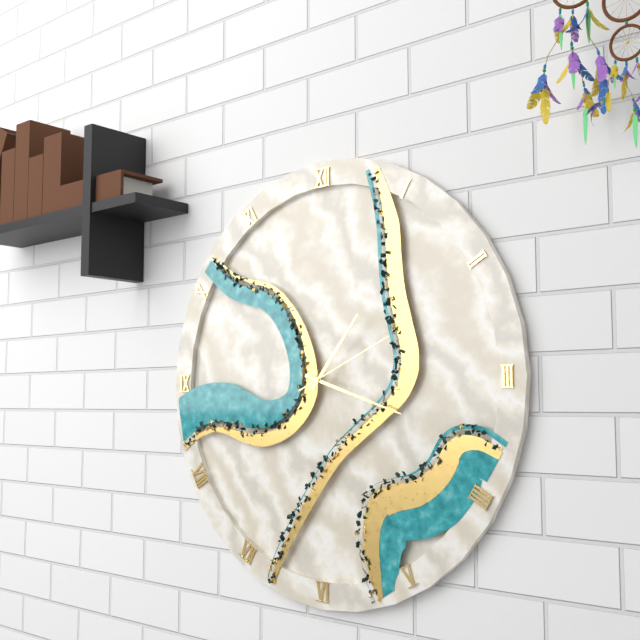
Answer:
1.18.11
